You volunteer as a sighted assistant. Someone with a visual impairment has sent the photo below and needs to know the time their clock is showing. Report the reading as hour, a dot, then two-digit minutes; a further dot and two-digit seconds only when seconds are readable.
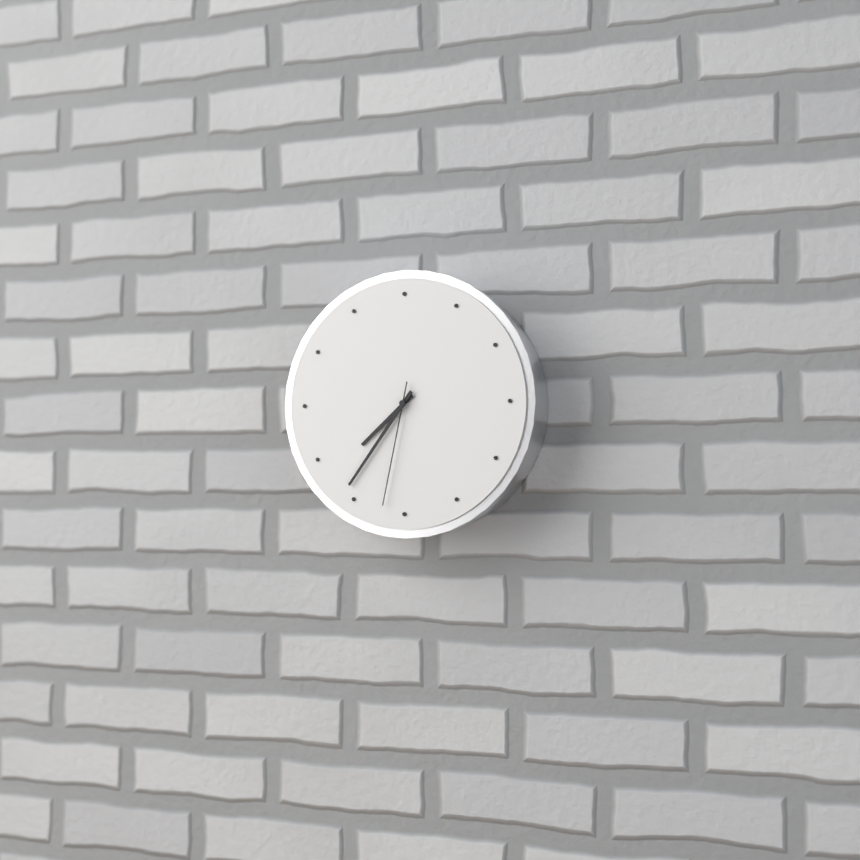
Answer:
7.36.32
